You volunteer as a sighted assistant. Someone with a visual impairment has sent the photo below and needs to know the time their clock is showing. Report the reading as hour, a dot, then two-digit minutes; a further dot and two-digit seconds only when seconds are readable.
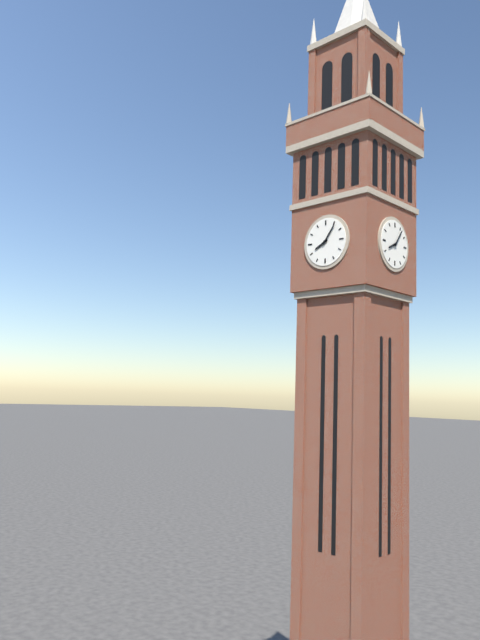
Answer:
8.06
